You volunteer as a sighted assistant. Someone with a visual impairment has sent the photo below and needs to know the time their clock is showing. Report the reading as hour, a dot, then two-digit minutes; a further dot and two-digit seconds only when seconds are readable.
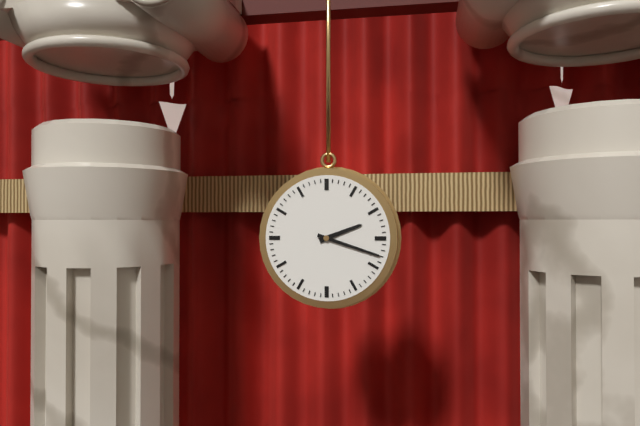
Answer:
2.18
